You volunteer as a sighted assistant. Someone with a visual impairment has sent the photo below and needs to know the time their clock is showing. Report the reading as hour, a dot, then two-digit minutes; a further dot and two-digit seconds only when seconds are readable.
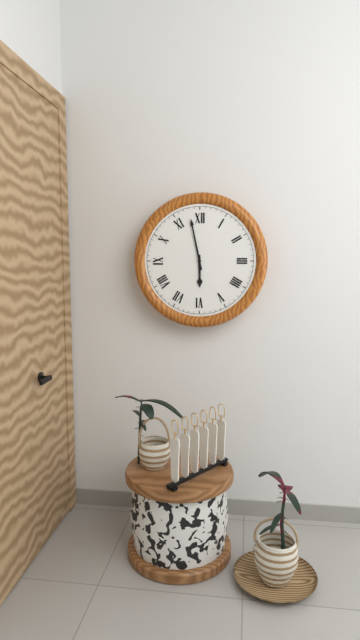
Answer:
5.58
